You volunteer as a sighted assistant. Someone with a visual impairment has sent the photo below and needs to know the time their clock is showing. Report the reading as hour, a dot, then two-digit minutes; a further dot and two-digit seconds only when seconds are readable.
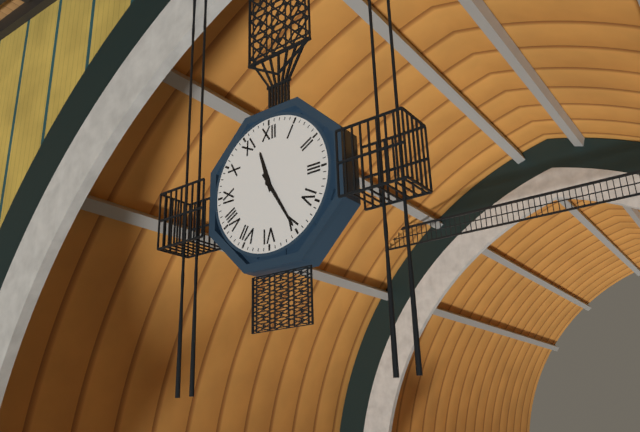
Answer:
11.25
